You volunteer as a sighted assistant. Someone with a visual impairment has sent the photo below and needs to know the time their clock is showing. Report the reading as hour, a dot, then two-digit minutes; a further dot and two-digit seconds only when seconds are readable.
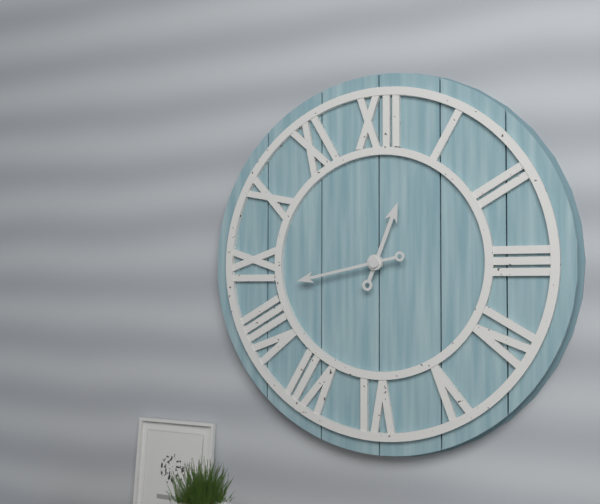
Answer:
12.43
